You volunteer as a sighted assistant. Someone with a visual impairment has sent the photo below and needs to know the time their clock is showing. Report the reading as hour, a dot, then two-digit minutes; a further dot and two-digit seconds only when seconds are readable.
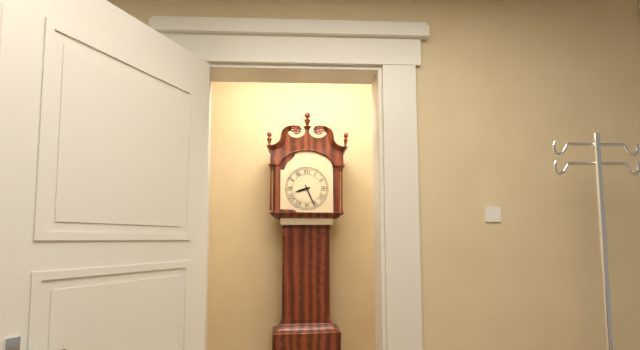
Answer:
8.26
